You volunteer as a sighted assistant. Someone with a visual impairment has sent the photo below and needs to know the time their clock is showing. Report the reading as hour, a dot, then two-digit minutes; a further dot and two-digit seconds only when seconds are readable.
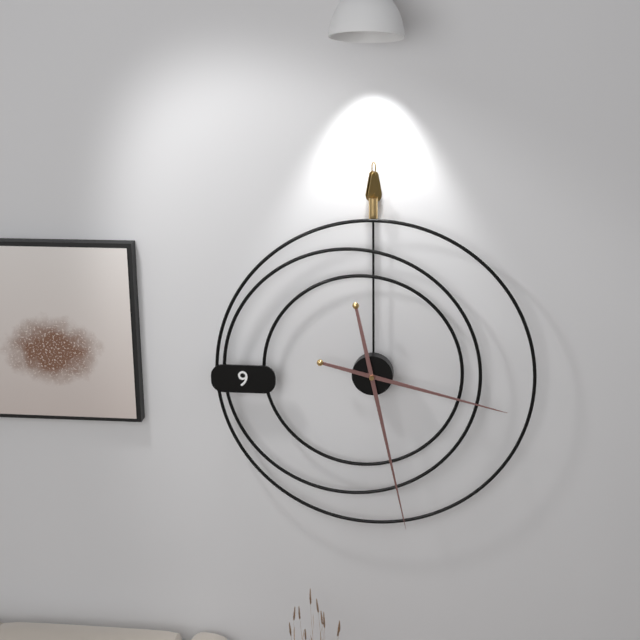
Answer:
3.28
